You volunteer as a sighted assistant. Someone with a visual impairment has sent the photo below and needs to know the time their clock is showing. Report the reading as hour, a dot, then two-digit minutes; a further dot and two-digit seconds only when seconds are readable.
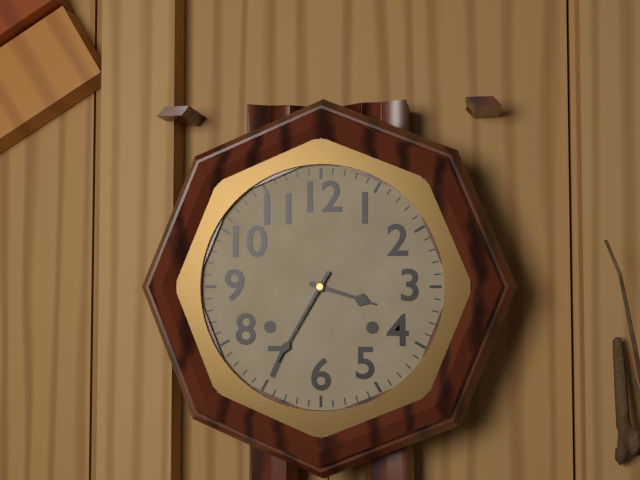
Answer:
3.35
